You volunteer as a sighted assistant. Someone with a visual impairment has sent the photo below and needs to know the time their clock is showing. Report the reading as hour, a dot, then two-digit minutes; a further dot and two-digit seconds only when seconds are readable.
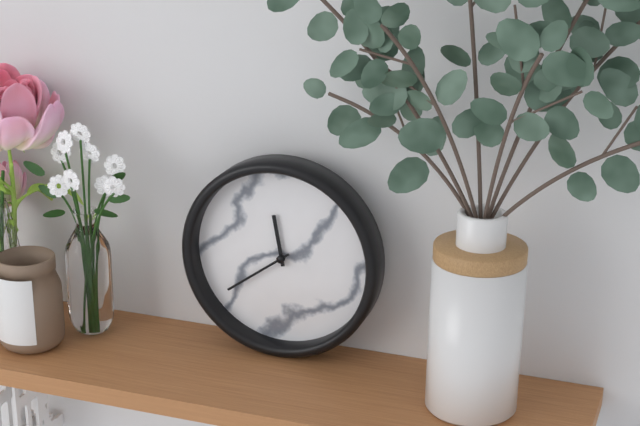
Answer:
11.39
